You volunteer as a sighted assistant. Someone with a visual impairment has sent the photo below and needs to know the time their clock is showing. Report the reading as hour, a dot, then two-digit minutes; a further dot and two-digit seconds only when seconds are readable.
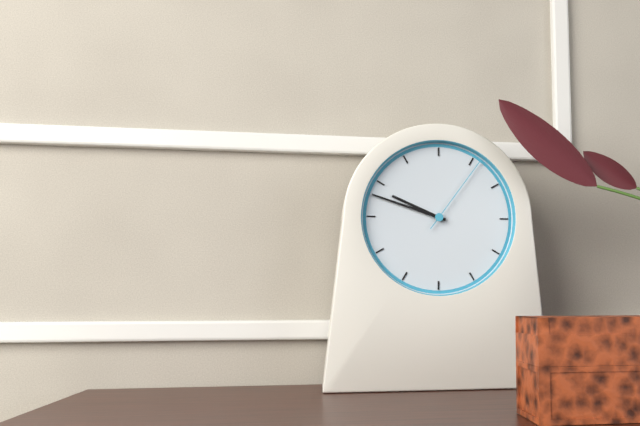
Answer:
9.48.06
